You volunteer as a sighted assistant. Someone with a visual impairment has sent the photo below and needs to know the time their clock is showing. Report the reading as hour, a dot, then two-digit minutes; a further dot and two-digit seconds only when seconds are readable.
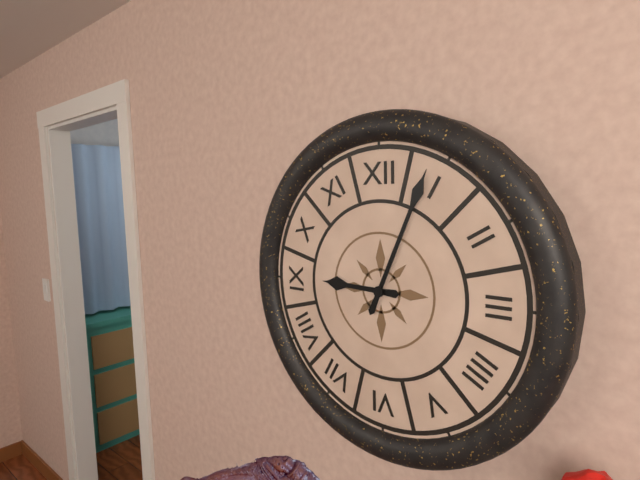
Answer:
9.04
